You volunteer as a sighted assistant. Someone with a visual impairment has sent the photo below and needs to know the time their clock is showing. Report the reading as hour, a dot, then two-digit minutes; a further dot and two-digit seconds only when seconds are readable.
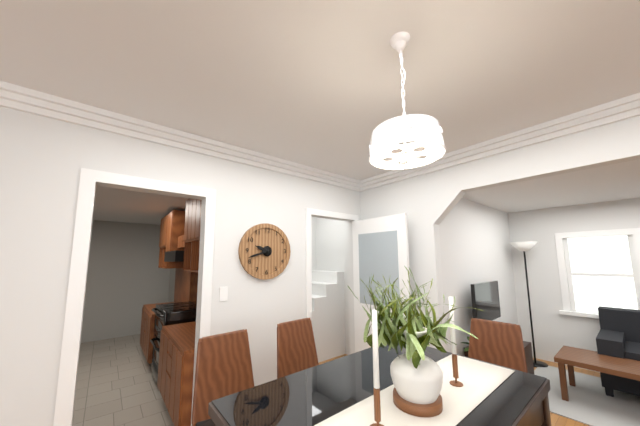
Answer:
9.42
